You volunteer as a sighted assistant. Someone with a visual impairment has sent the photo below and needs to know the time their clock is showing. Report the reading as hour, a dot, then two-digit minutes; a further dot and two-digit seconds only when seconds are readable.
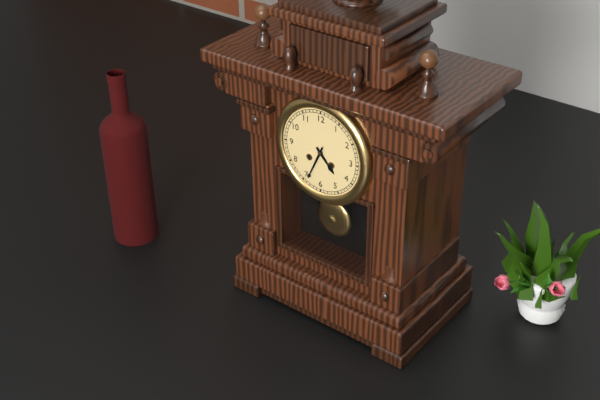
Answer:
4.34
